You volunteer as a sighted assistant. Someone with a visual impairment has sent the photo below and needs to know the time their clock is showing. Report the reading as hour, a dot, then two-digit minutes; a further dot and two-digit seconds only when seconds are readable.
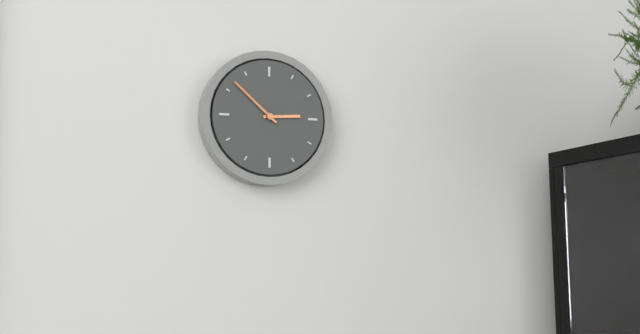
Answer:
2.52
